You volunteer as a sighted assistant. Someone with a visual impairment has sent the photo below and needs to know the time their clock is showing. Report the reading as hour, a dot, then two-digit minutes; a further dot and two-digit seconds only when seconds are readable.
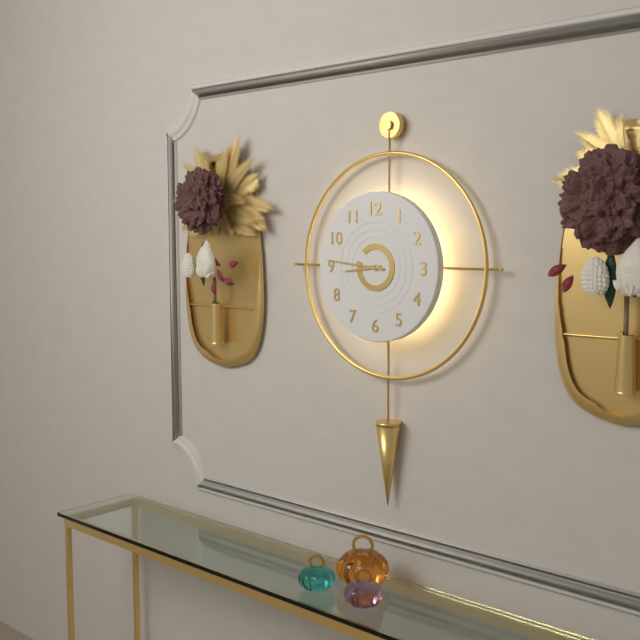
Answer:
8.46
